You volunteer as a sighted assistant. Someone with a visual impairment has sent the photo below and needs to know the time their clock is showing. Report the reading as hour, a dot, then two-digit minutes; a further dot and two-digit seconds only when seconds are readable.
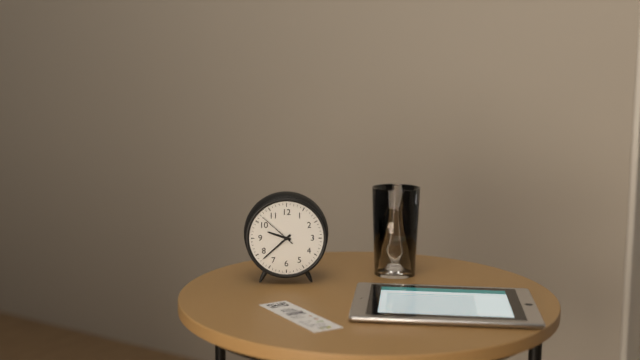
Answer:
9.38
